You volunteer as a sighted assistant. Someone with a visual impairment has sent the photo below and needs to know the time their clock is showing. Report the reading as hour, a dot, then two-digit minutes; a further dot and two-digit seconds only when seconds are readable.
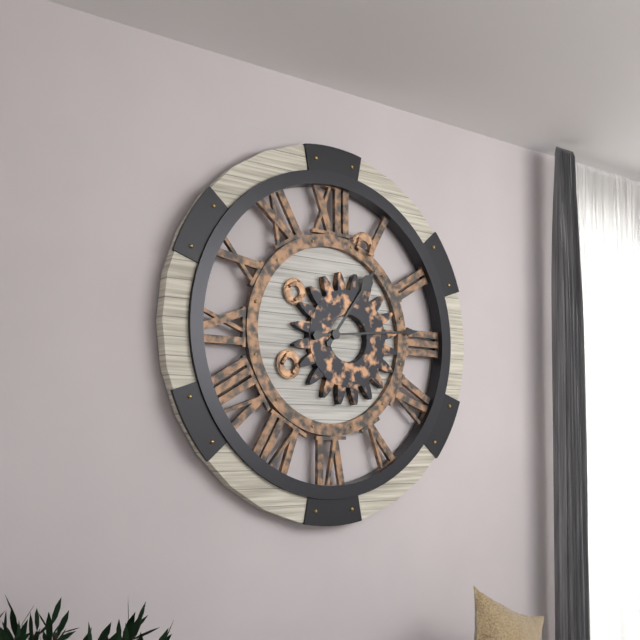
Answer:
1.14
